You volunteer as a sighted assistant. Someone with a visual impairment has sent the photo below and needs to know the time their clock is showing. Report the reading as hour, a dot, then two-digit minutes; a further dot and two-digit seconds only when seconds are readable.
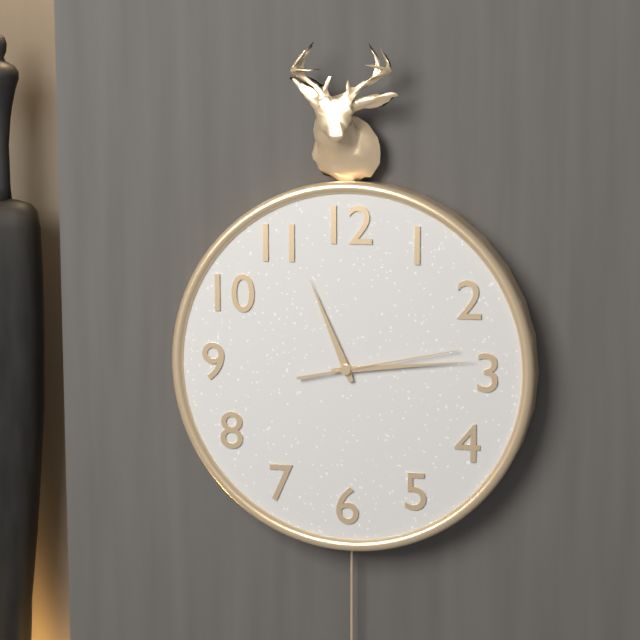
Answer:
11.14.13
